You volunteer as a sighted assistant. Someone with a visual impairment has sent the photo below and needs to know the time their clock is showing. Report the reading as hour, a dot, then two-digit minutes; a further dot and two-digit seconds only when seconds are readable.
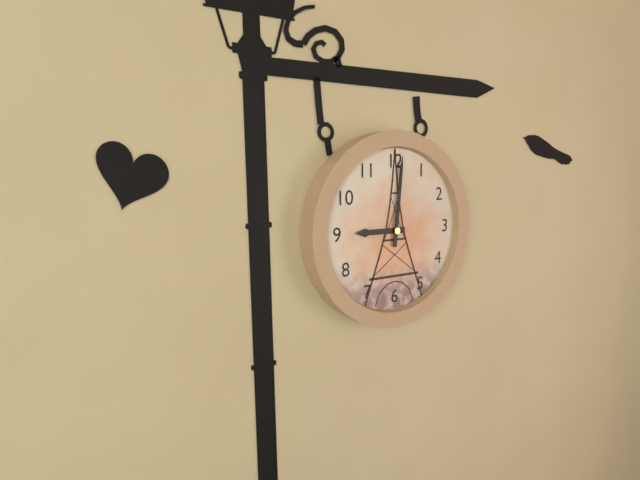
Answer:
9.01
